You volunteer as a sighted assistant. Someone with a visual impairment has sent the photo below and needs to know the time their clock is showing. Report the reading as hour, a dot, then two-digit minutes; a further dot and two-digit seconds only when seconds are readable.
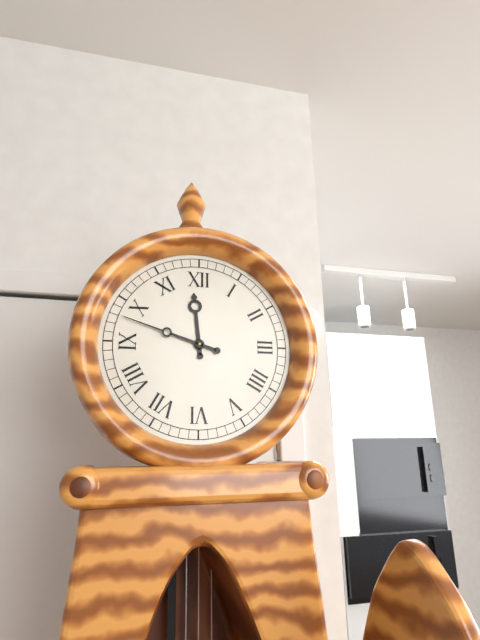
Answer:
11.48
